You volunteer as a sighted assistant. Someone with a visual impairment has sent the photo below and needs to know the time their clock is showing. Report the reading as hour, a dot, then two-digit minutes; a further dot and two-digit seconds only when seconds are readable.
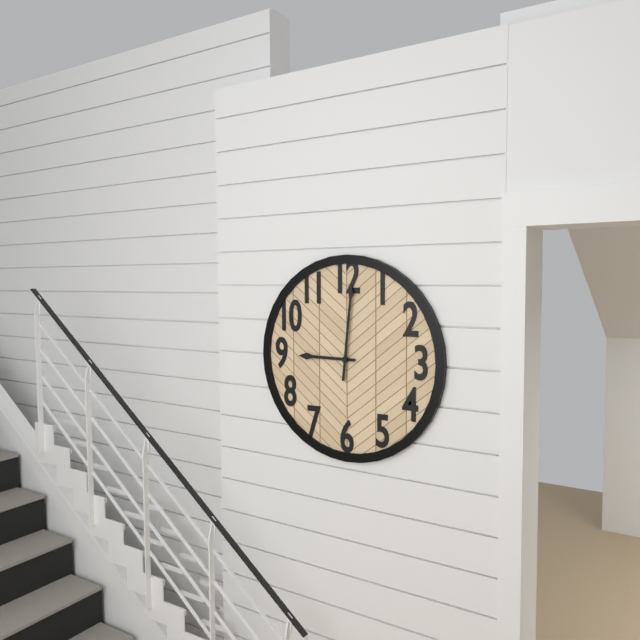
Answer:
9.01
